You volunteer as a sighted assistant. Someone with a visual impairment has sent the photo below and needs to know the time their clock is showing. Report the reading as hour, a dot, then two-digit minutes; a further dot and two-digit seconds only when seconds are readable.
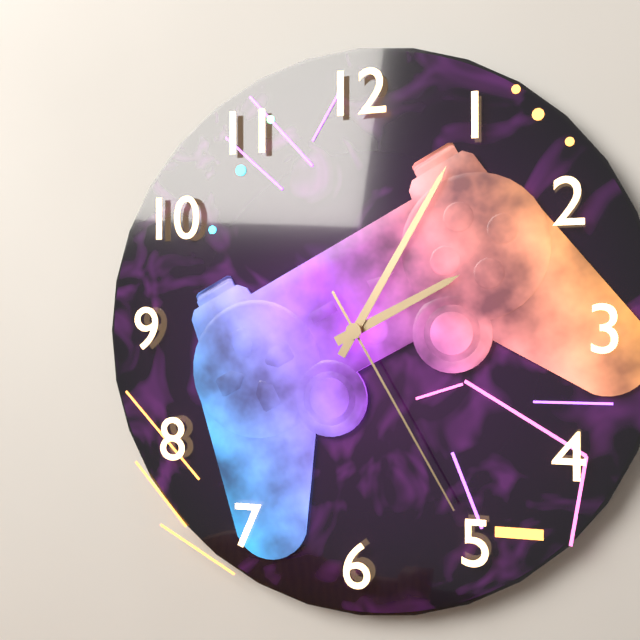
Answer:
2.05.25
